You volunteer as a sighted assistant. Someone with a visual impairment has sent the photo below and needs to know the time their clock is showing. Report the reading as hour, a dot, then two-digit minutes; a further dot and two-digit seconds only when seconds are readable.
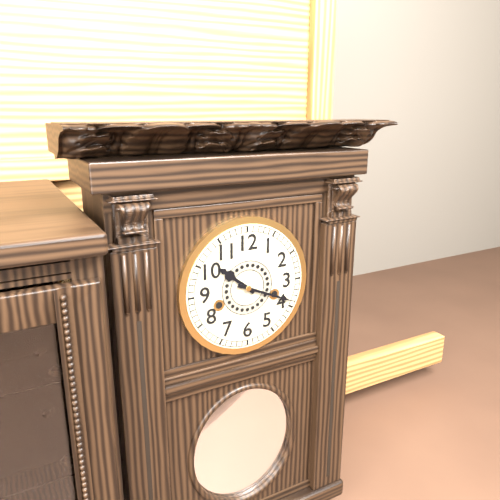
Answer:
10.19
